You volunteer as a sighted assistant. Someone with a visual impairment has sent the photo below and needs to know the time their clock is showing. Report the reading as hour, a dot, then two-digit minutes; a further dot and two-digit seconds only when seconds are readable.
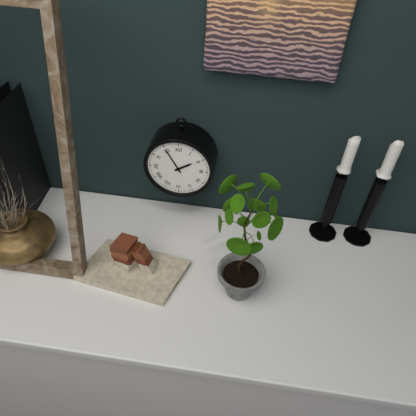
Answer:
1.55
